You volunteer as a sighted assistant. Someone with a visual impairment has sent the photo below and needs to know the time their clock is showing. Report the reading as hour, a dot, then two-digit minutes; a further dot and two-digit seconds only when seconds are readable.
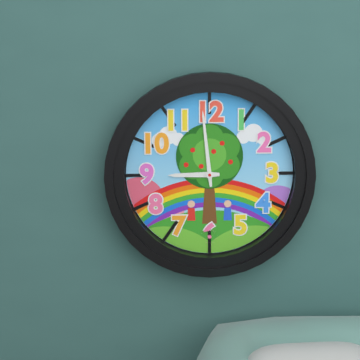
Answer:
8.59
